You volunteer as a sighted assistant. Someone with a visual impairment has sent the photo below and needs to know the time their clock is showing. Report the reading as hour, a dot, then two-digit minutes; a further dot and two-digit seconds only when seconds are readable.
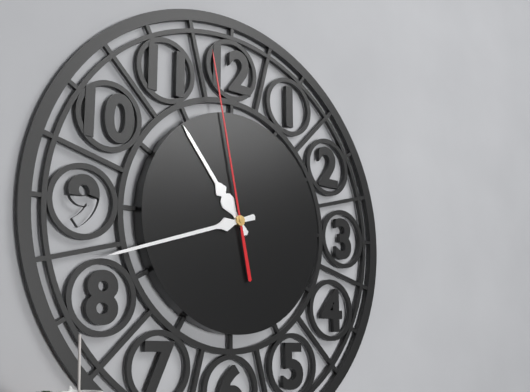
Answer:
10.42.58
